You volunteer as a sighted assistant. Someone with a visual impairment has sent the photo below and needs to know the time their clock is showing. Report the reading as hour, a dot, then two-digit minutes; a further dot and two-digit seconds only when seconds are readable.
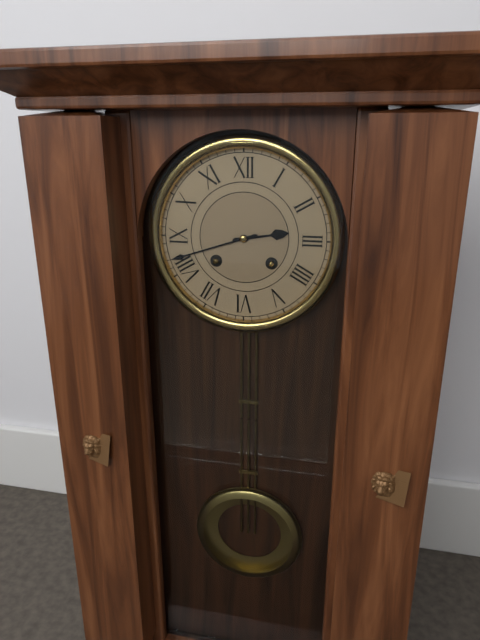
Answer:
2.42
